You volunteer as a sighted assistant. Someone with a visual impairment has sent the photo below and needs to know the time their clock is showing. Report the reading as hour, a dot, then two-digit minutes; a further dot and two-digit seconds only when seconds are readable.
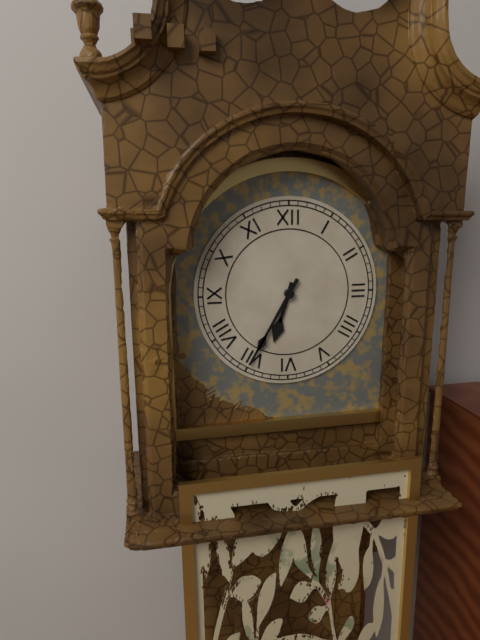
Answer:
6.35
